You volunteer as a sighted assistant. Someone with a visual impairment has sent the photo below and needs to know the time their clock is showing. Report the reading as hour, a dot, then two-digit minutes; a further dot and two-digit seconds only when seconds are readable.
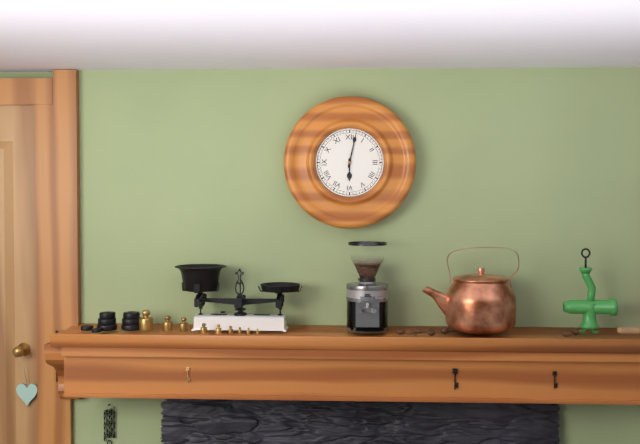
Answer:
6.02
